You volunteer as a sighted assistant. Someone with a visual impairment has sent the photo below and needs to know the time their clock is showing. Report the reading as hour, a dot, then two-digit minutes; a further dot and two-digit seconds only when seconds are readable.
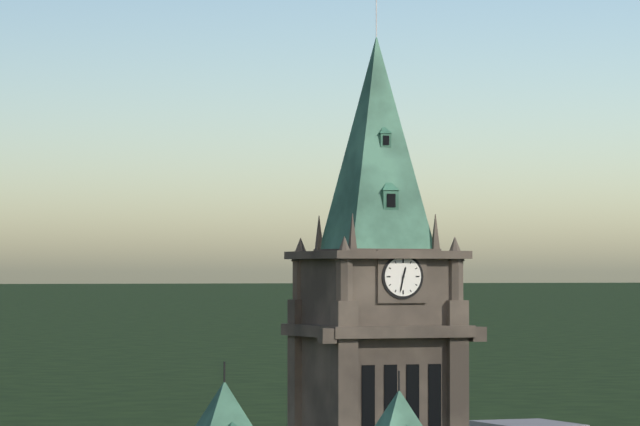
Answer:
12.32
